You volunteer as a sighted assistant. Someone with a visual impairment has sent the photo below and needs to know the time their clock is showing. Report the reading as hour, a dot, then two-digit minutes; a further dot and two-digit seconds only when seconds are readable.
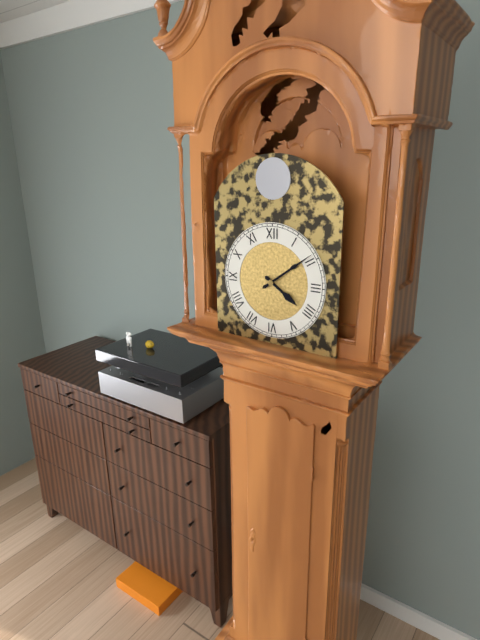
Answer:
4.09
